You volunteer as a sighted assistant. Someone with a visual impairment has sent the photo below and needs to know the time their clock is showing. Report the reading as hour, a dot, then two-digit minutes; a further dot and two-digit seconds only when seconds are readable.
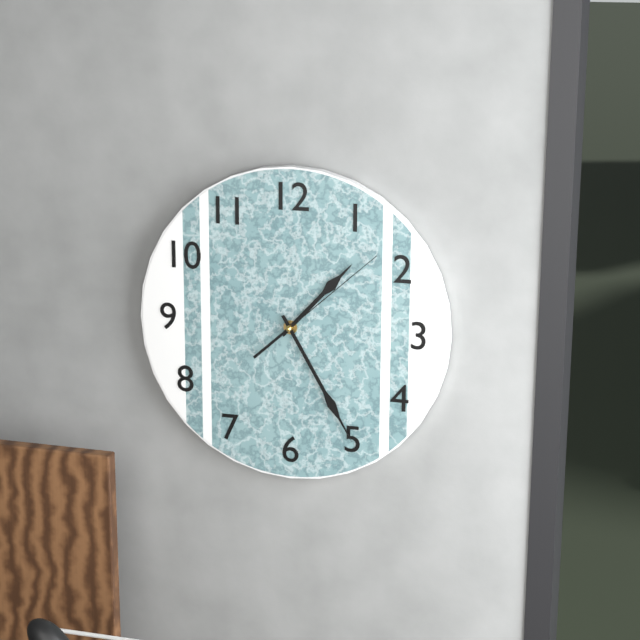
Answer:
1.25.08
